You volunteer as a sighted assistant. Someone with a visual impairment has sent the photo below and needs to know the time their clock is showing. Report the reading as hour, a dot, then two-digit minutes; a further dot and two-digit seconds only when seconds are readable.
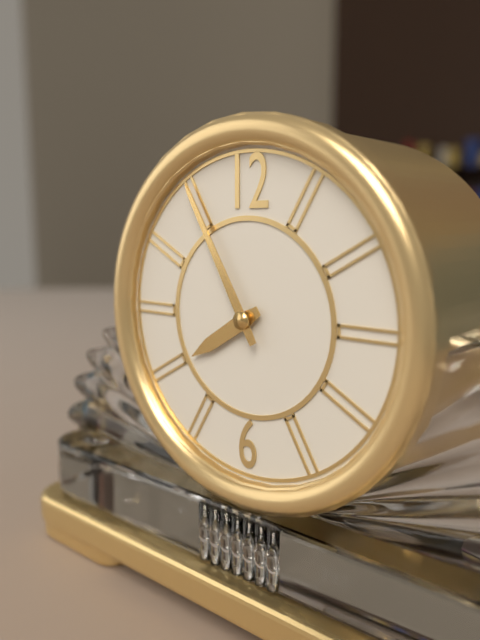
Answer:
7.55
